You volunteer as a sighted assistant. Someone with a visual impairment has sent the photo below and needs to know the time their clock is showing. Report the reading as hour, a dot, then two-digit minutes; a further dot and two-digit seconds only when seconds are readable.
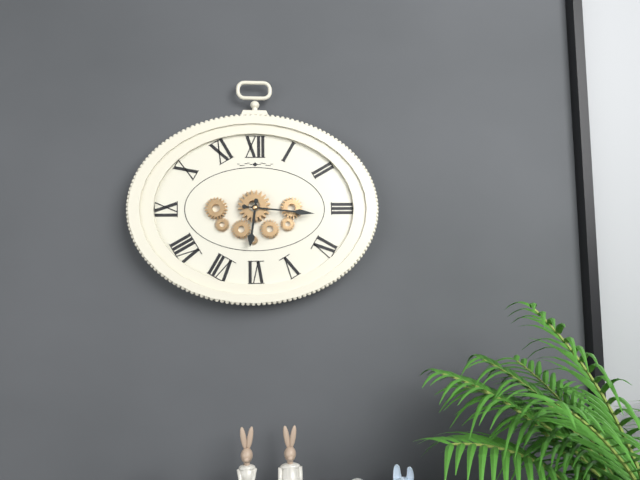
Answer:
6.16
